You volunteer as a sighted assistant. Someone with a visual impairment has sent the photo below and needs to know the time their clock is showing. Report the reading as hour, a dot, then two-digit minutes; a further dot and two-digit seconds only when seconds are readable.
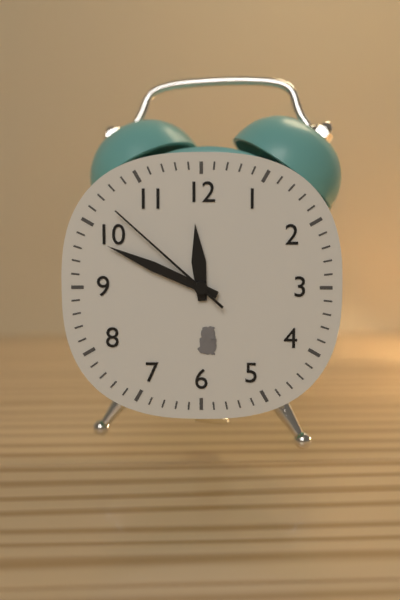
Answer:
11.49.52
